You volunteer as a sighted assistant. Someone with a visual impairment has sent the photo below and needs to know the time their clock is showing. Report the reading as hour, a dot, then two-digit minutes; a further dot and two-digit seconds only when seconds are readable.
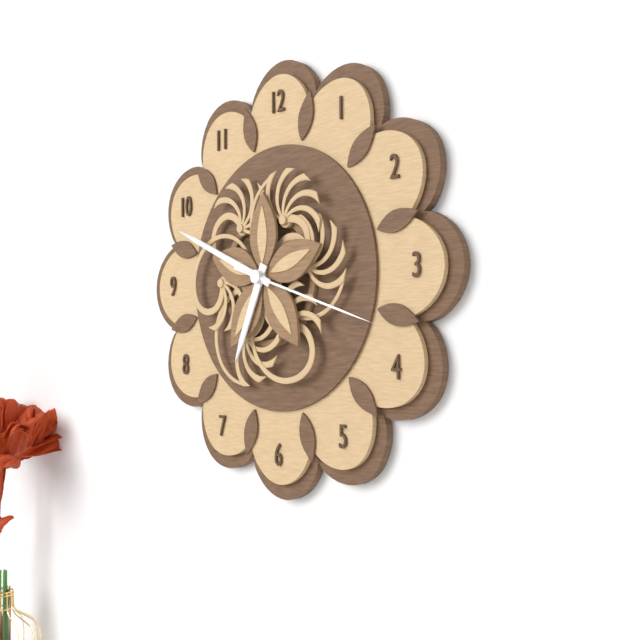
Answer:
6.49.18
